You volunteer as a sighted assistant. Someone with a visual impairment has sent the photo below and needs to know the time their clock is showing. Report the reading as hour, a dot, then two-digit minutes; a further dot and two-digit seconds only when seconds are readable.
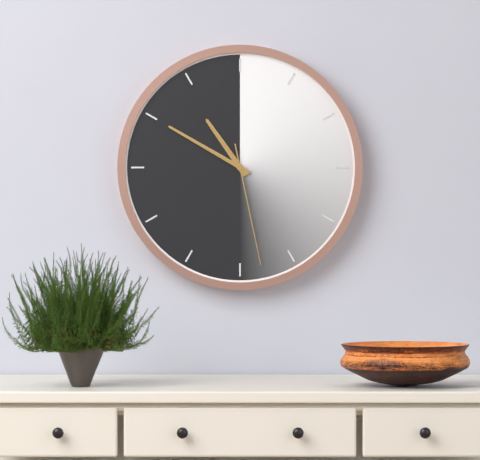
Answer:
10.50.28
